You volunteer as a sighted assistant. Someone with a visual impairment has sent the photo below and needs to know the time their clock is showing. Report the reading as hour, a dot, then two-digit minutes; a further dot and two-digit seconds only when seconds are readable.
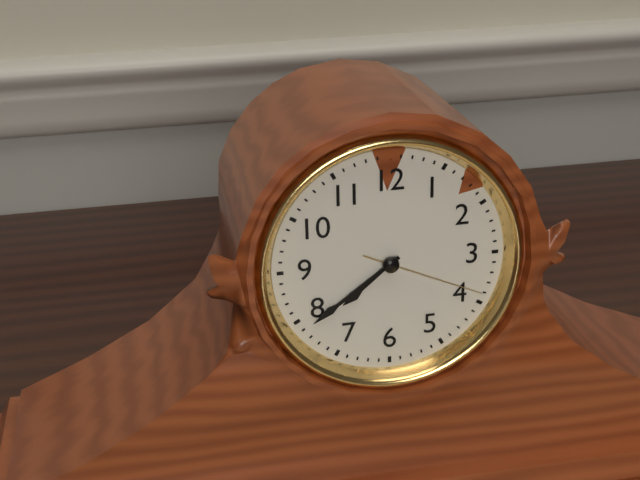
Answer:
7.39.19
